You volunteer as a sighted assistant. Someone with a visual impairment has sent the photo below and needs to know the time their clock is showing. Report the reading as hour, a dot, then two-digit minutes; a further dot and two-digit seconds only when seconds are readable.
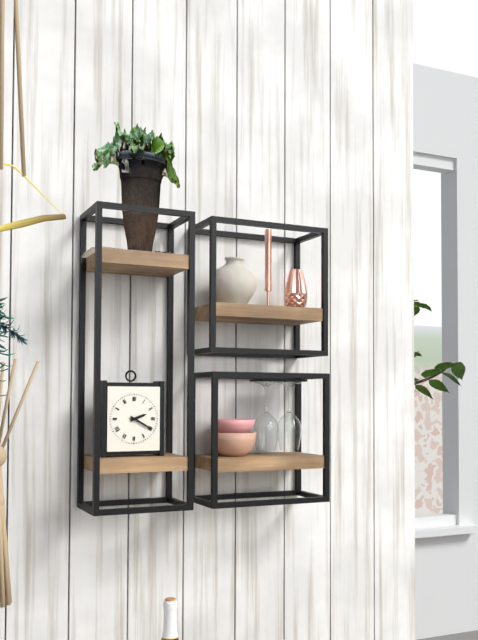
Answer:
2.20
